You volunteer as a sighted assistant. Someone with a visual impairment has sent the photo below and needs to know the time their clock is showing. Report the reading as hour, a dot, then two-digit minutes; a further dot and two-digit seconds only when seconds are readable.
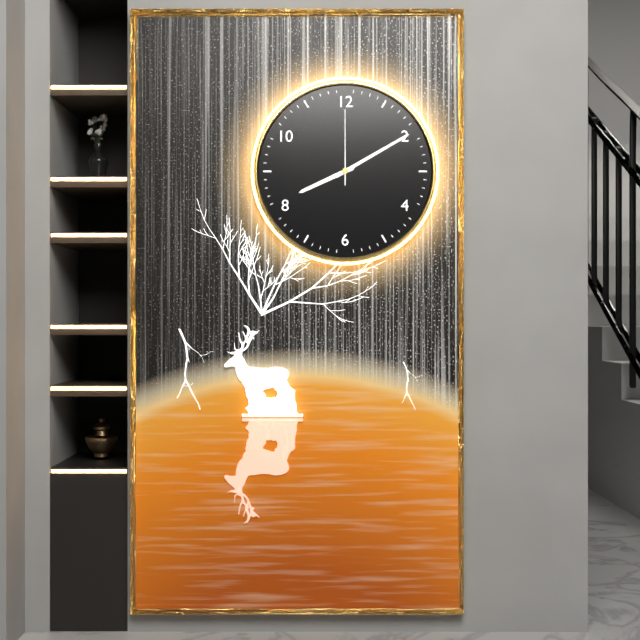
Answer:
8.10.00
